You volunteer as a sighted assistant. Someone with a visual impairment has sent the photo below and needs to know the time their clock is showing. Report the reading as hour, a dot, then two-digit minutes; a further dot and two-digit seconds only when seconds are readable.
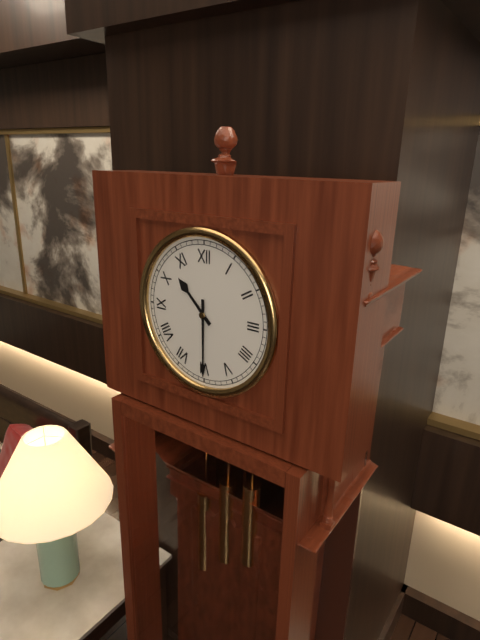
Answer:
10.30
